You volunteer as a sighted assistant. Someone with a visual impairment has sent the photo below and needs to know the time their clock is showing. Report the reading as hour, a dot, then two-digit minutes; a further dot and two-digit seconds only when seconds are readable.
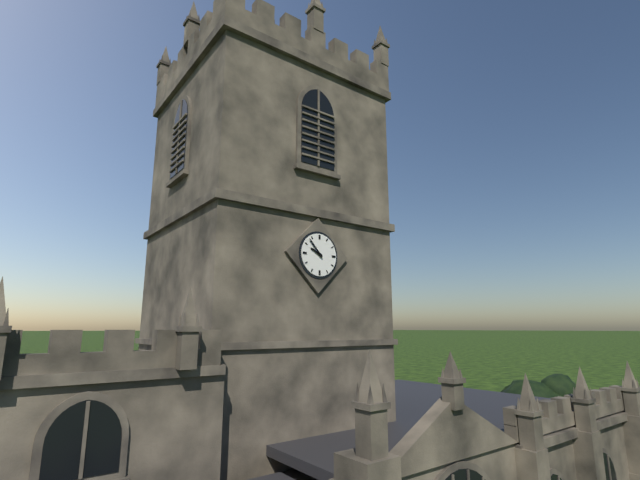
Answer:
9.53
